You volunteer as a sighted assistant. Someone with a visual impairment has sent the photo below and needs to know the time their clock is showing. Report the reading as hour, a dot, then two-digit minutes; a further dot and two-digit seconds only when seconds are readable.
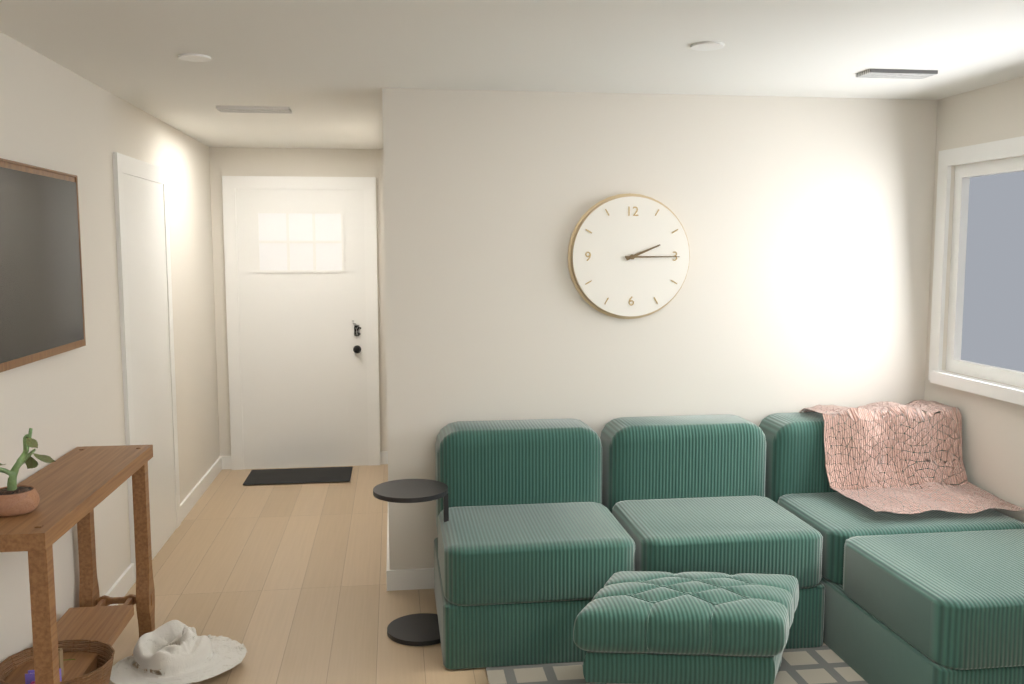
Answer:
2.15
